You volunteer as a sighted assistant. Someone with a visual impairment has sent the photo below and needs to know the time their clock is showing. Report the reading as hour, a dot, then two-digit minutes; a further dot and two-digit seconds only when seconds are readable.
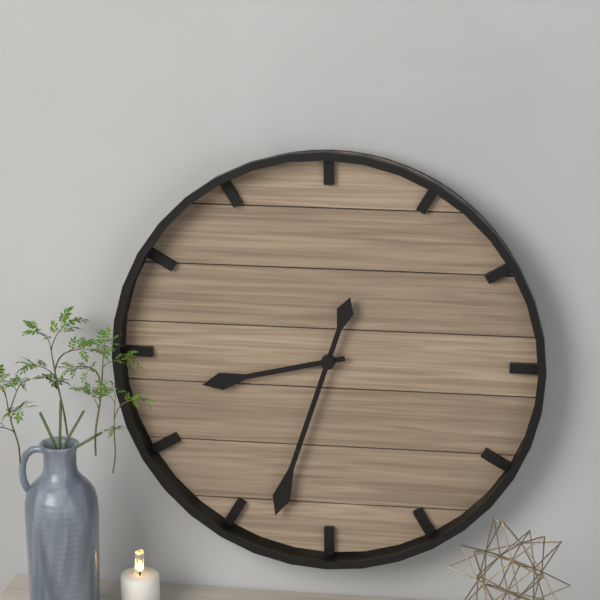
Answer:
8.33
